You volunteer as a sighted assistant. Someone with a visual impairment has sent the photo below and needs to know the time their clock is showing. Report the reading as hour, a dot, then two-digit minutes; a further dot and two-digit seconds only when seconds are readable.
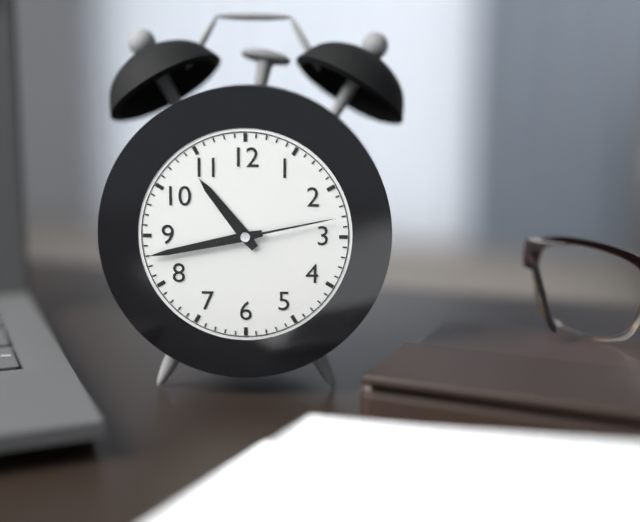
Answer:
10.43.13
